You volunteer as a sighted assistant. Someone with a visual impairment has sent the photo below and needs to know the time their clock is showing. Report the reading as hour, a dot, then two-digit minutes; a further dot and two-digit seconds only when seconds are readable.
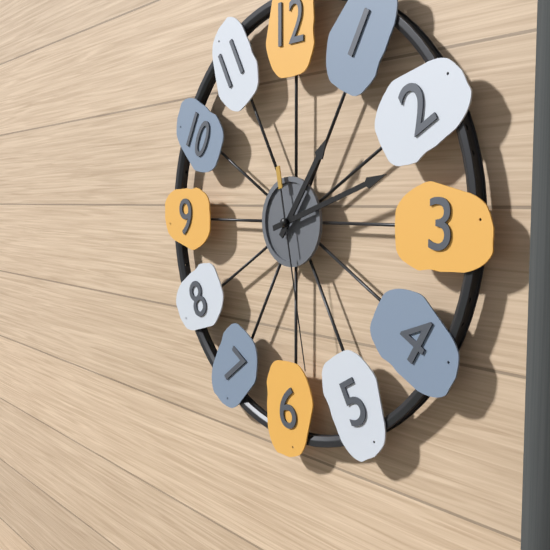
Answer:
1.12.28
